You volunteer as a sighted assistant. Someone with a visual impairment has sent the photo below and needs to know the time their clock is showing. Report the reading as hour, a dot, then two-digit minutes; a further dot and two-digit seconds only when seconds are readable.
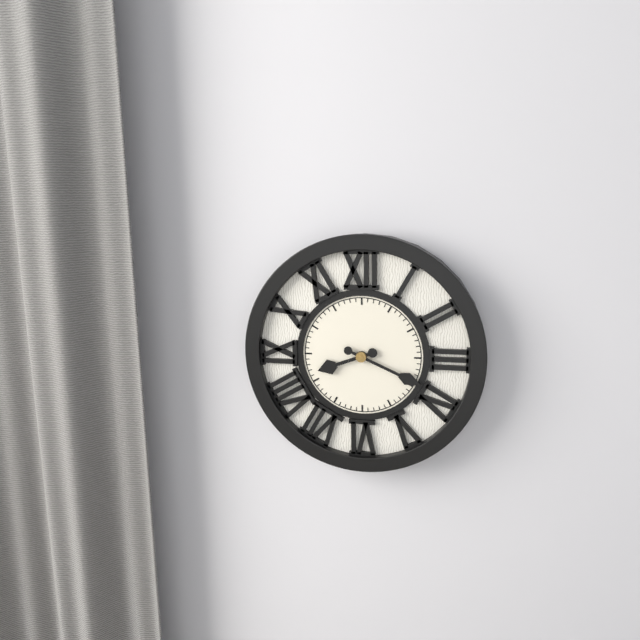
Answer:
8.19
